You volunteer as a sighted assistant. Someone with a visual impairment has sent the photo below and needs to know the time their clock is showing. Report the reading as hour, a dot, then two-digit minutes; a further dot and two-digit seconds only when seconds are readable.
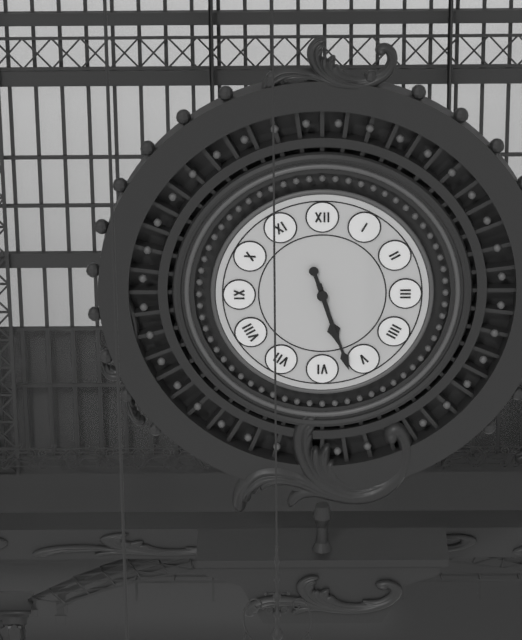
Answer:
5.27
